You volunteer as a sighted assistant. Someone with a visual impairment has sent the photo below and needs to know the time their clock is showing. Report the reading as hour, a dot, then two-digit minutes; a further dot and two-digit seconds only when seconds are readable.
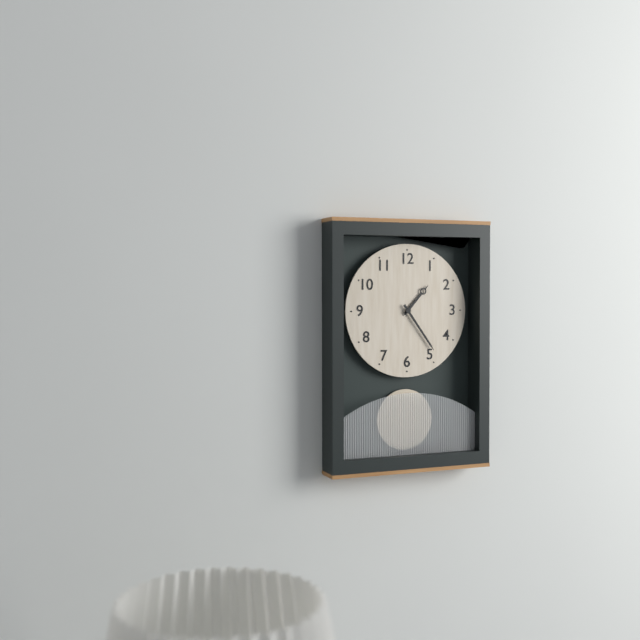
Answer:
1.24
